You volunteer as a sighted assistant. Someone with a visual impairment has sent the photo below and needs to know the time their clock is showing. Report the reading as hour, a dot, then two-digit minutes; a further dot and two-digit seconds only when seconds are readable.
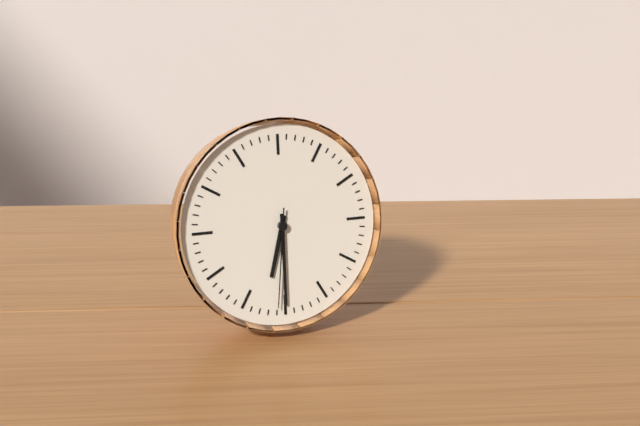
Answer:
6.30.31
